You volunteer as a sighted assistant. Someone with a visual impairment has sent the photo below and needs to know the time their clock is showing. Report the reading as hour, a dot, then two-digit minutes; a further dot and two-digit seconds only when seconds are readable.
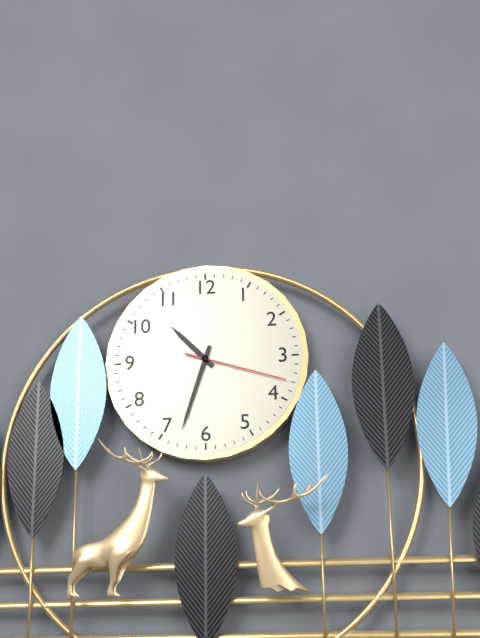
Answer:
10.33.18
